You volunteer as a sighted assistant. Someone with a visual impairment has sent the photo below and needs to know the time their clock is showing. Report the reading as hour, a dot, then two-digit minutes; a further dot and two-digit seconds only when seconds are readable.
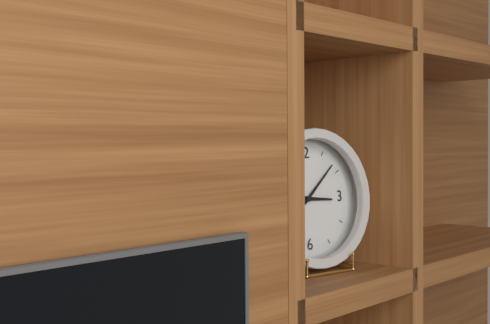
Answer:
3.08
